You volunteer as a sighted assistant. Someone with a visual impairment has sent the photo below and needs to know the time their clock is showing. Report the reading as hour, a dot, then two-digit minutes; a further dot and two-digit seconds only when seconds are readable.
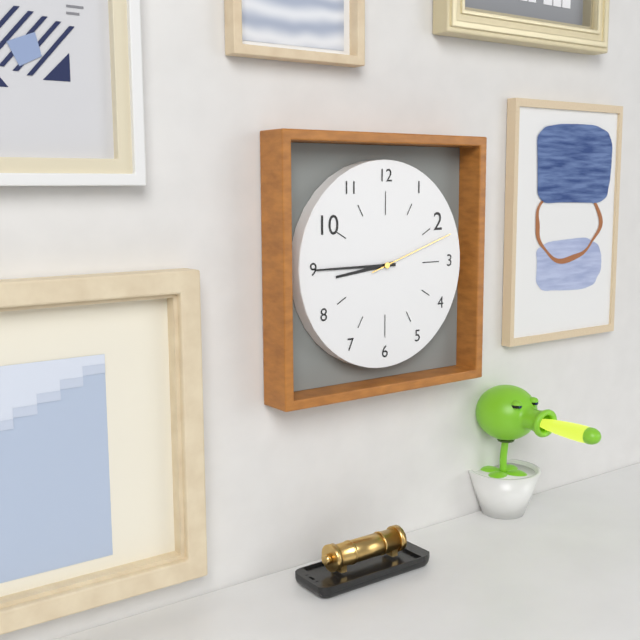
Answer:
8.45.12
